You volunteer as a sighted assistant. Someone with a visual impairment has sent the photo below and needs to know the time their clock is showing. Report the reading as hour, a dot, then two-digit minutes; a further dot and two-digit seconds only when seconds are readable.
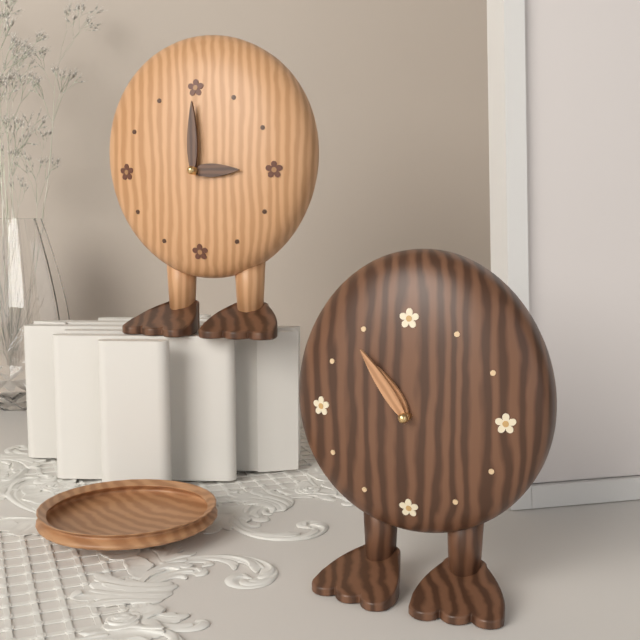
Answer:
10.54
